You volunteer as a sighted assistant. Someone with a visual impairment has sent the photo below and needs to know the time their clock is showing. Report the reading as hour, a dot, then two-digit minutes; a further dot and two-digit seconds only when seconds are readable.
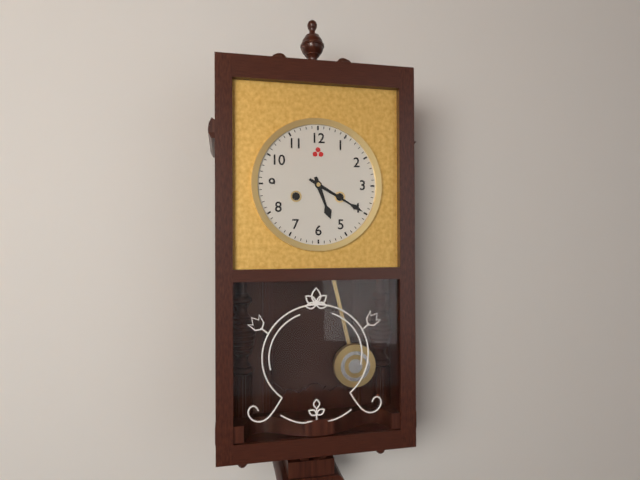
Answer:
5.20
